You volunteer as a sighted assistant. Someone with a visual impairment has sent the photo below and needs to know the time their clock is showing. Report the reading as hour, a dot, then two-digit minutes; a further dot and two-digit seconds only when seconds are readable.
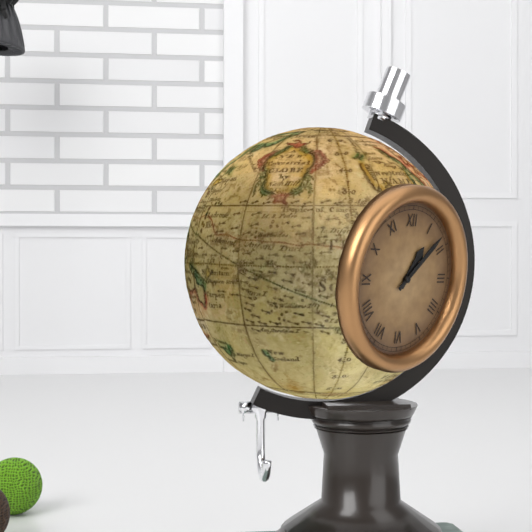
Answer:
1.08
